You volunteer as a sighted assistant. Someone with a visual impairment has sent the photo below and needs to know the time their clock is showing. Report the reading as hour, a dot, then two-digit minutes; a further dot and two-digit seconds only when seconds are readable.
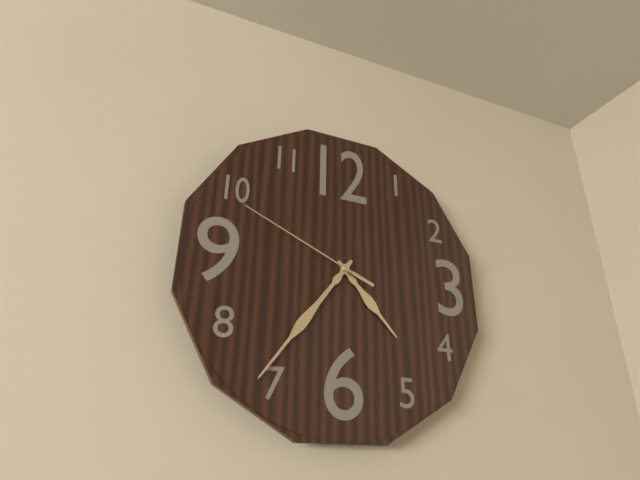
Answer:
4.36.49
